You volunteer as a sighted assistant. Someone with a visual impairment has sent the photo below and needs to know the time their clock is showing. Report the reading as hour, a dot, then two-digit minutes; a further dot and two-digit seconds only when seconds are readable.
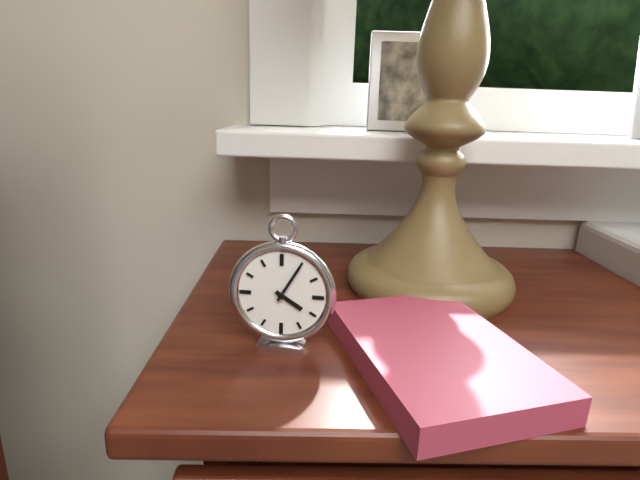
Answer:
4.05
